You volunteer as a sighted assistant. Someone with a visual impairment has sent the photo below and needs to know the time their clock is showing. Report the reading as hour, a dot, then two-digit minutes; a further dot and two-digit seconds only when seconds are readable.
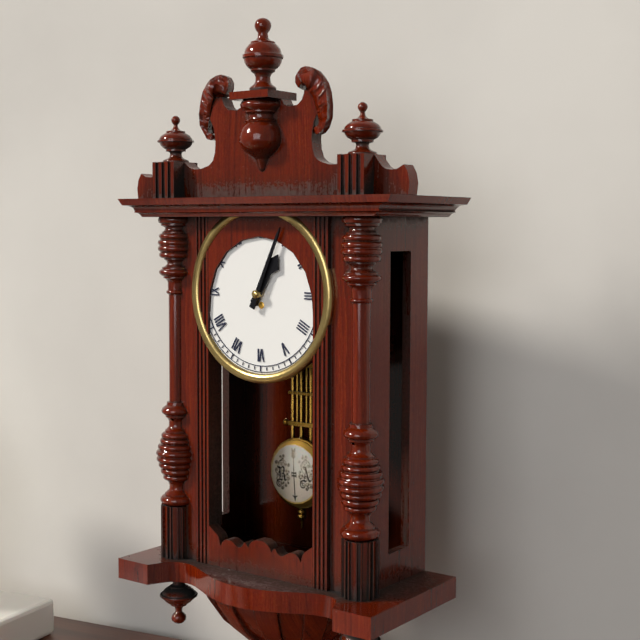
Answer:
1.04
